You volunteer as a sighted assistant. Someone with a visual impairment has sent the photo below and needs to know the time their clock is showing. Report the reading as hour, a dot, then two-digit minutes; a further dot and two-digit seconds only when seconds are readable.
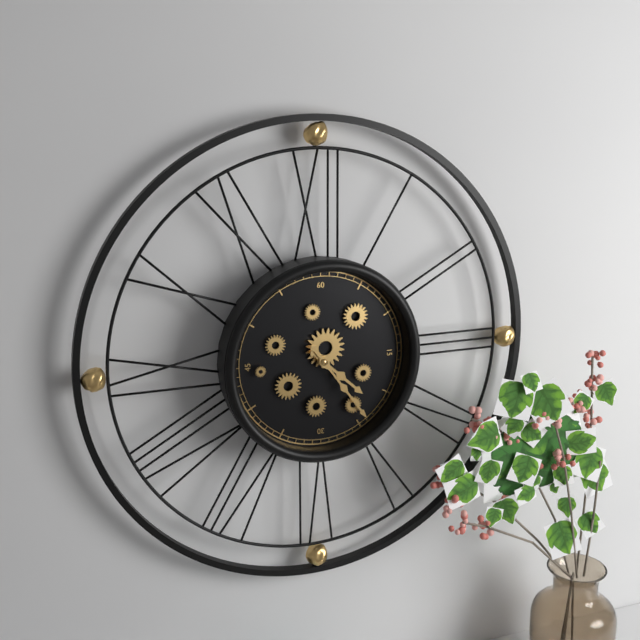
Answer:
4.24
